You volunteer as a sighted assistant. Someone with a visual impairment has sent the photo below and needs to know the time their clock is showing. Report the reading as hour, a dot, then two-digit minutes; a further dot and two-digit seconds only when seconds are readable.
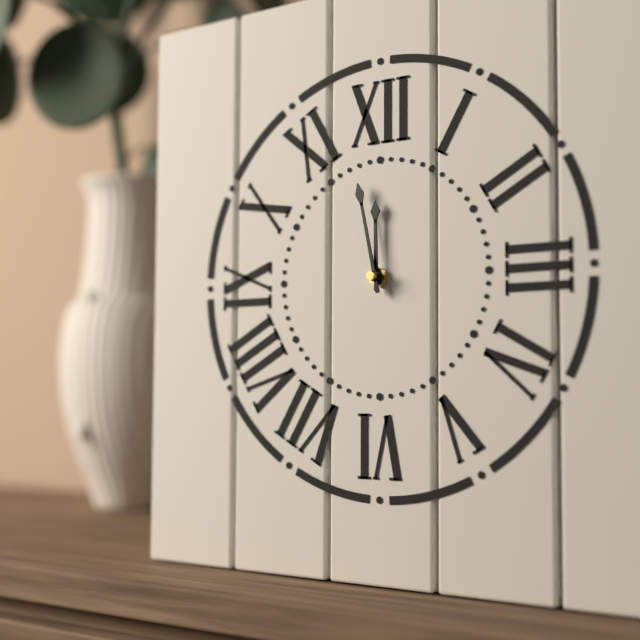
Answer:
11.58
